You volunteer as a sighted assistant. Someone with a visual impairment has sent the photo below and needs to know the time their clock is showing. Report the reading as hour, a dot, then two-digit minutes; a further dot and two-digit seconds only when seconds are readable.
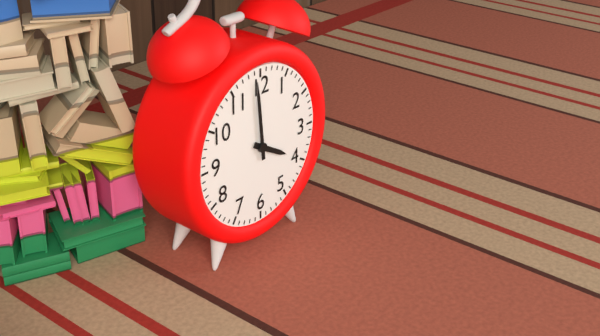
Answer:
3.59
